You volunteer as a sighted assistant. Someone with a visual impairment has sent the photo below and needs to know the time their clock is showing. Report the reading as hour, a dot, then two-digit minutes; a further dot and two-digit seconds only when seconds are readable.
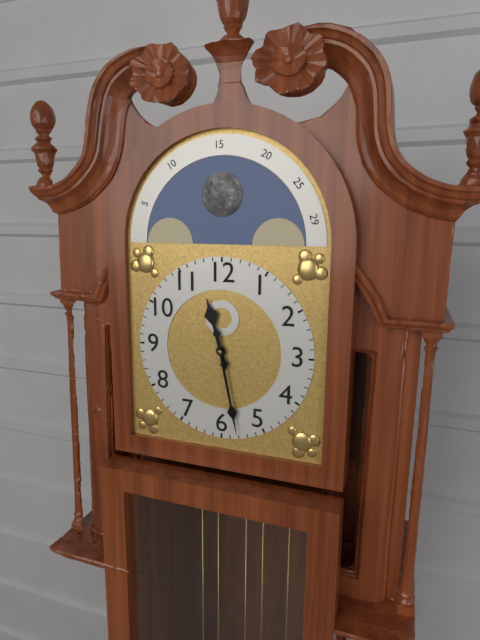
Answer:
11.28
